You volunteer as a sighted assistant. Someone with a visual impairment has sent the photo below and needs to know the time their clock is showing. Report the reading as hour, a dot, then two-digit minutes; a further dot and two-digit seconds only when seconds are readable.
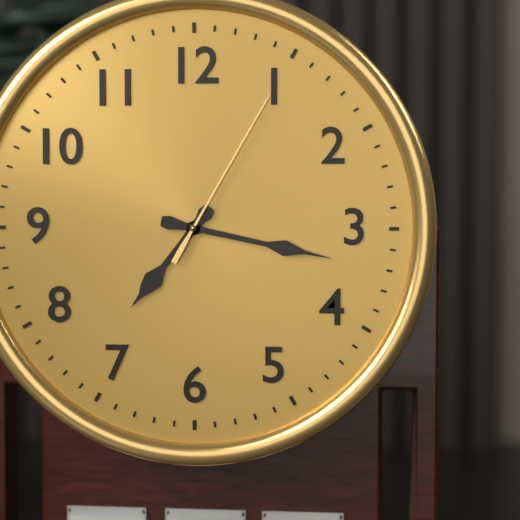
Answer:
7.17.05
